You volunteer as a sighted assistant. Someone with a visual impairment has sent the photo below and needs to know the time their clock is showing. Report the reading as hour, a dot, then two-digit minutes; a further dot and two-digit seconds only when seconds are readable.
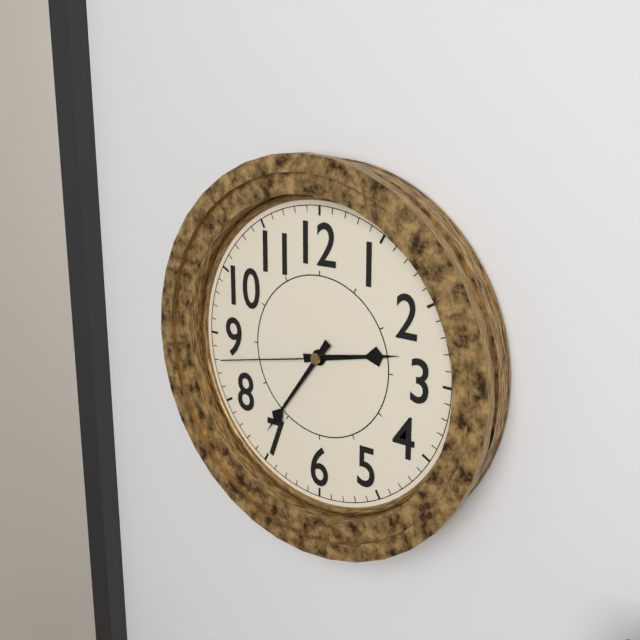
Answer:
2.36.43
